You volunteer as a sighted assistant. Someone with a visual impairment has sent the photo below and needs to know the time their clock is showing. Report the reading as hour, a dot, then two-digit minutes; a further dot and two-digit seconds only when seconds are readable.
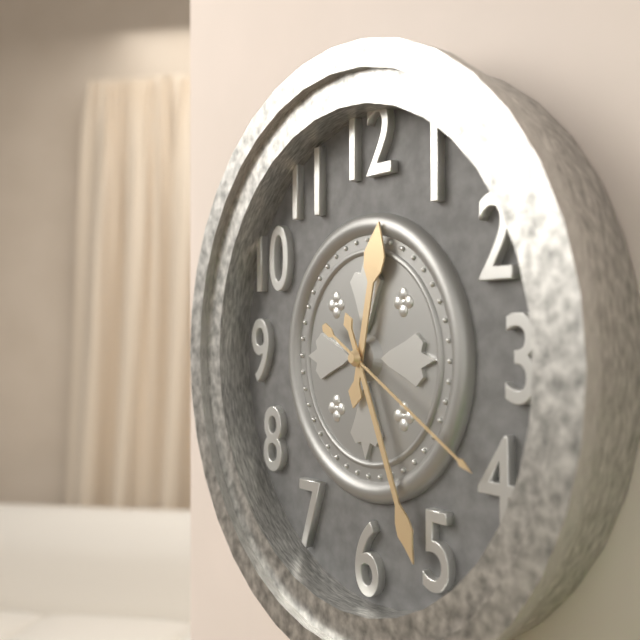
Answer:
12.26.20
